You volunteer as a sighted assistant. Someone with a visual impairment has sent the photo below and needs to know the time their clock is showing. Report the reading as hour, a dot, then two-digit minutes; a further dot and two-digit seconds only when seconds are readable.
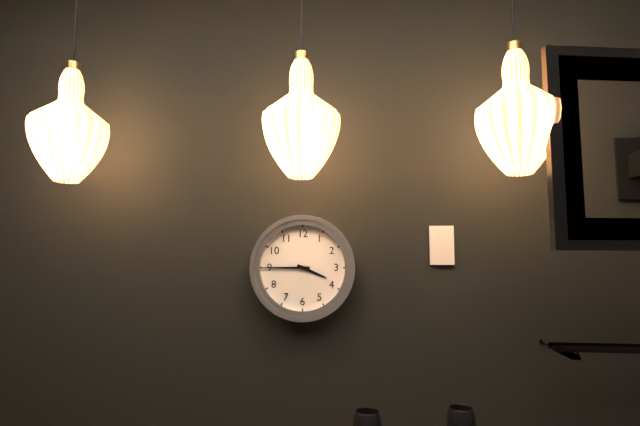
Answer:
3.45
